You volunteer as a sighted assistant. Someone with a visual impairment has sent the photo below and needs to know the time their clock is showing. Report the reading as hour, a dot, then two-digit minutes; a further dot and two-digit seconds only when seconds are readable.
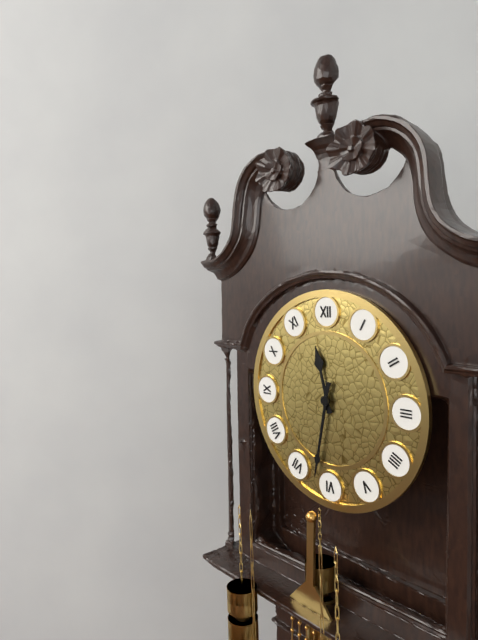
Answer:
11.32
